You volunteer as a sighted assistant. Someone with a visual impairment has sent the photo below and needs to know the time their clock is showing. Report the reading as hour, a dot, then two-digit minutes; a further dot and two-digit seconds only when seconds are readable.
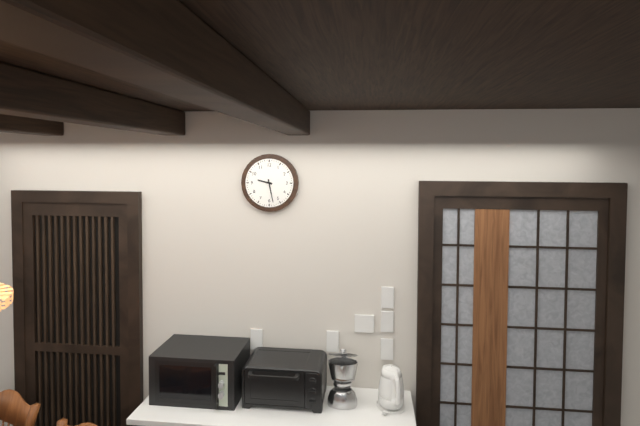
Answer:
9.28
